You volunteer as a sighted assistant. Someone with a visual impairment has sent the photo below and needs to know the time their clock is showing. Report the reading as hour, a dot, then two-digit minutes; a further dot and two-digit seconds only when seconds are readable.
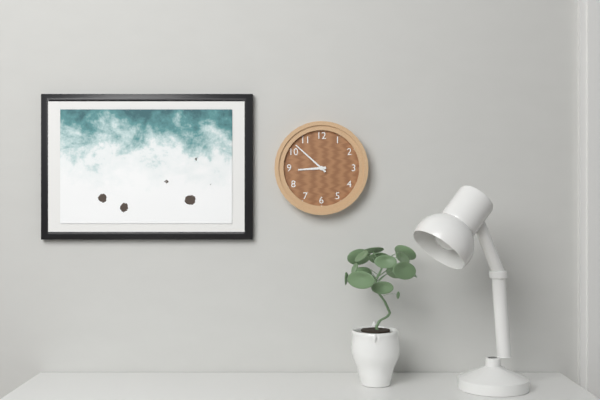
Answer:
8.52
